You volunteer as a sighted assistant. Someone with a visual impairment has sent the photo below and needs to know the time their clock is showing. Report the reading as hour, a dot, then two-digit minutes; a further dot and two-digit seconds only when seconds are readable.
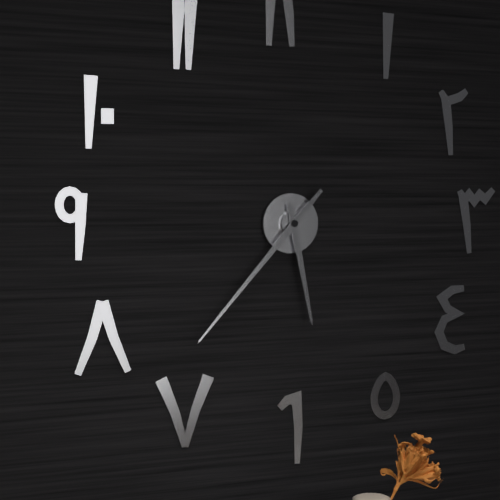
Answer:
5.37
